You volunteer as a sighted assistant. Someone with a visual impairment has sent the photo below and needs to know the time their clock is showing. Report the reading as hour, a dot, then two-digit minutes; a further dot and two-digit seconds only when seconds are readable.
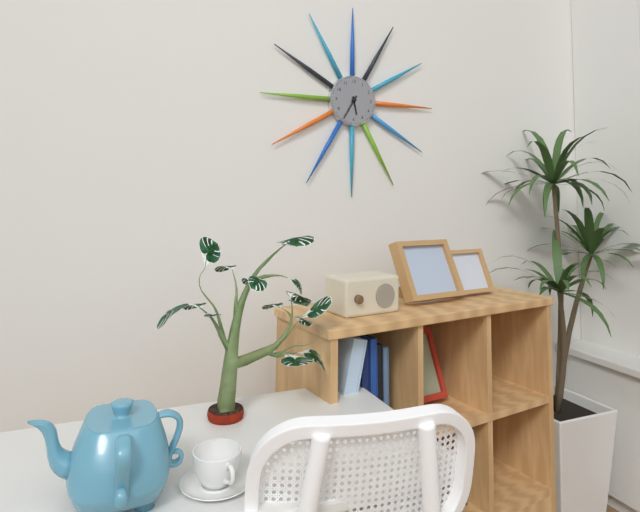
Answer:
5.35
